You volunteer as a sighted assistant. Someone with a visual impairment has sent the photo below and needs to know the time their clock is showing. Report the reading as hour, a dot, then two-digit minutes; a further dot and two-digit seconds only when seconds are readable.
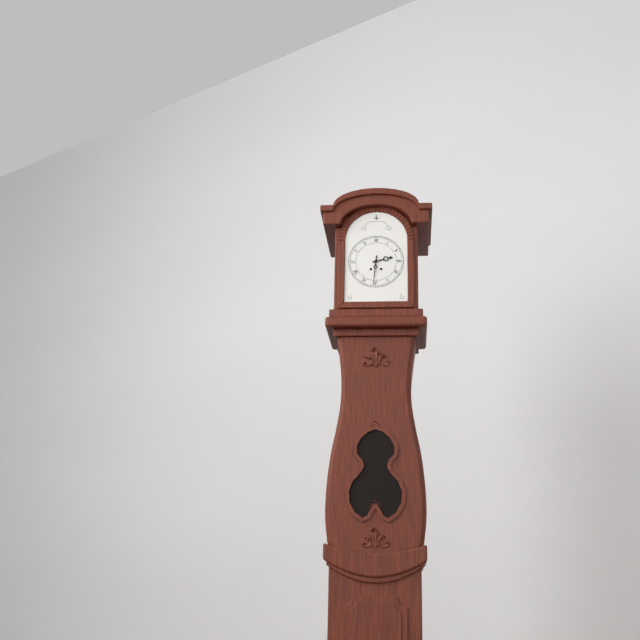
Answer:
2.31
